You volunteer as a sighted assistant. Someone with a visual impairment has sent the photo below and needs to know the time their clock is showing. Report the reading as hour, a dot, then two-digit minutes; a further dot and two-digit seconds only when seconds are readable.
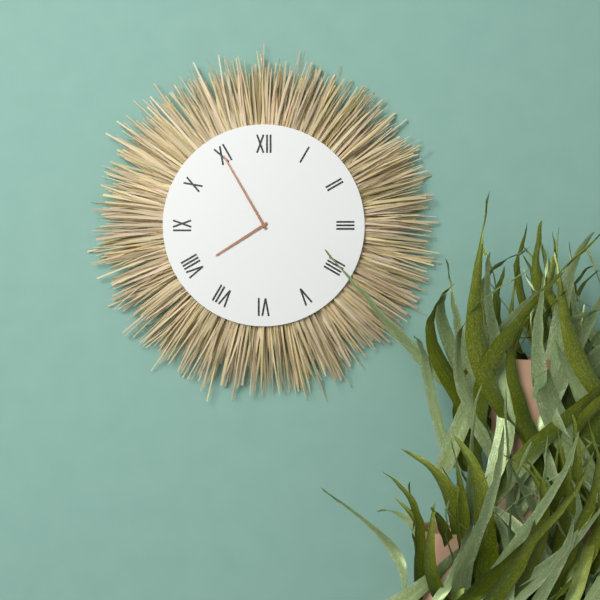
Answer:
7.55
